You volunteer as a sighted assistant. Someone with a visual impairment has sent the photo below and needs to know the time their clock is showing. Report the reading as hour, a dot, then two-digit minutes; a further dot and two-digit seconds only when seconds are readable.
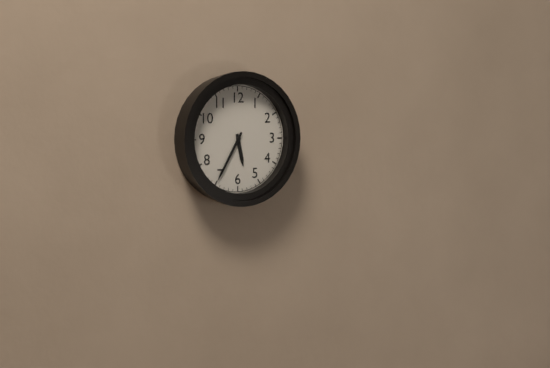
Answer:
5.35
